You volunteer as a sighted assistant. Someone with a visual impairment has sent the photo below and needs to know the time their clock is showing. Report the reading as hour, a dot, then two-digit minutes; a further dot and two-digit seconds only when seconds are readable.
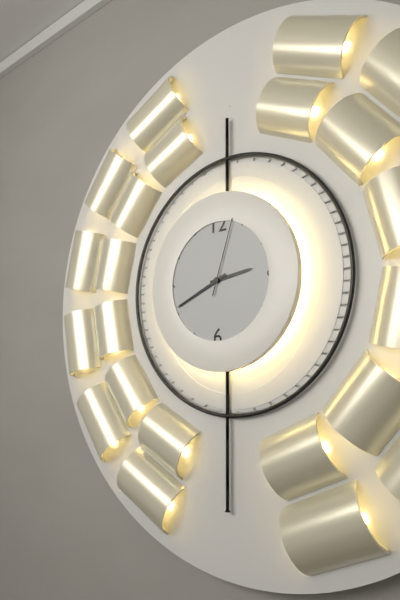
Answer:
2.41.03
